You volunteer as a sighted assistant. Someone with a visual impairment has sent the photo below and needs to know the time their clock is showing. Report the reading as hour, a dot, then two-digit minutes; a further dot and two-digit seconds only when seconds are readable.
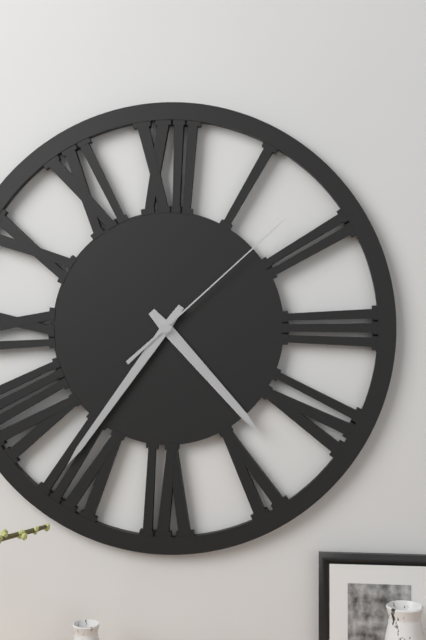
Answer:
4.36.08
